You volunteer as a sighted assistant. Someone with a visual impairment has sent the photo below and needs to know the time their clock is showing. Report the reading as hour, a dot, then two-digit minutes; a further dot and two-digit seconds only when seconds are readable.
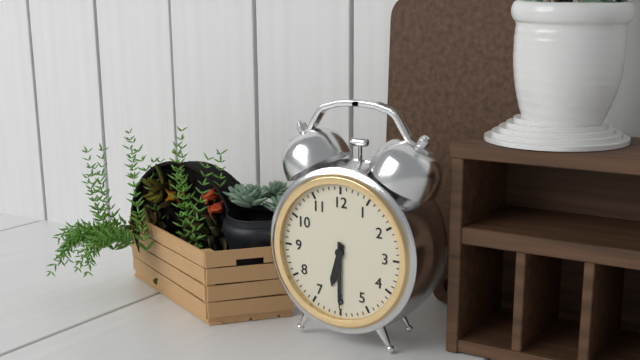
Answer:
6.30
